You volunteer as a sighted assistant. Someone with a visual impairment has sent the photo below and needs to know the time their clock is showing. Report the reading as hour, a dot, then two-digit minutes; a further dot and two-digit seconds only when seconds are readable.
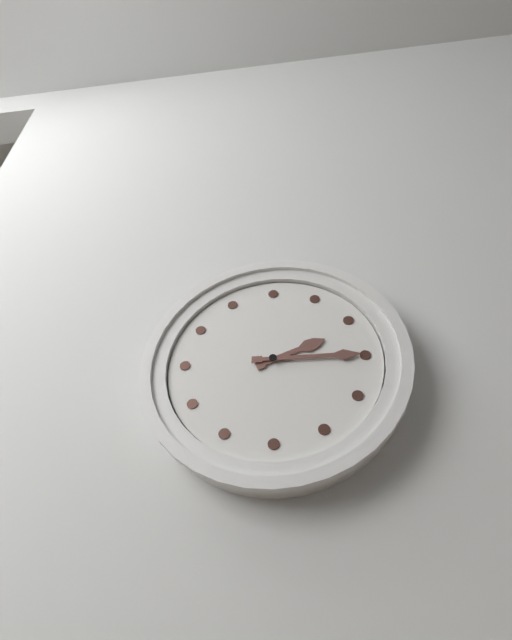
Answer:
2.15
